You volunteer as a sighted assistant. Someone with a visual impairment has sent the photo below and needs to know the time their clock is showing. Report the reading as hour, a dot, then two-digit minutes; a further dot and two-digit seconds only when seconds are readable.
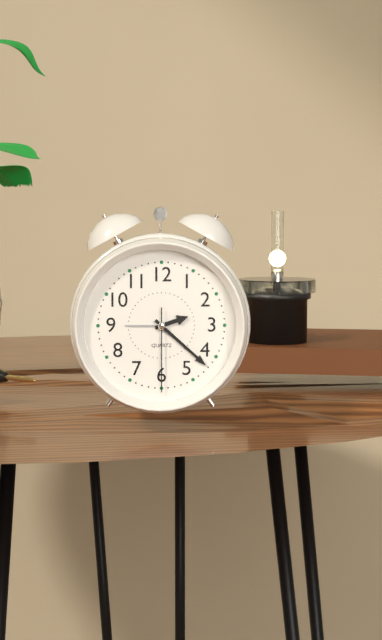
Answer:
2.22.30
